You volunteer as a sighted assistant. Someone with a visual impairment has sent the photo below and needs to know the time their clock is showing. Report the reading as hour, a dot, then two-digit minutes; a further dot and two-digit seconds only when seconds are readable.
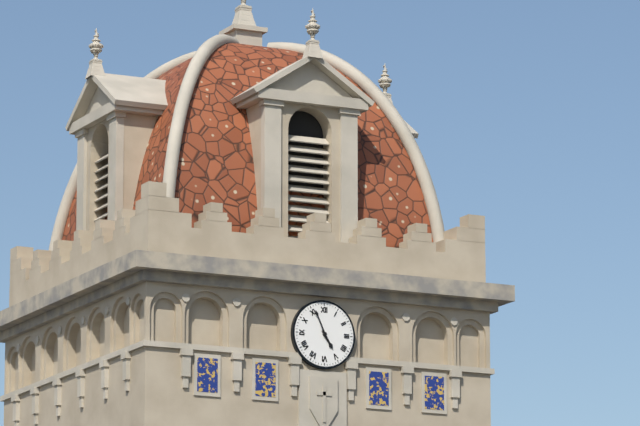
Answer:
4.56
